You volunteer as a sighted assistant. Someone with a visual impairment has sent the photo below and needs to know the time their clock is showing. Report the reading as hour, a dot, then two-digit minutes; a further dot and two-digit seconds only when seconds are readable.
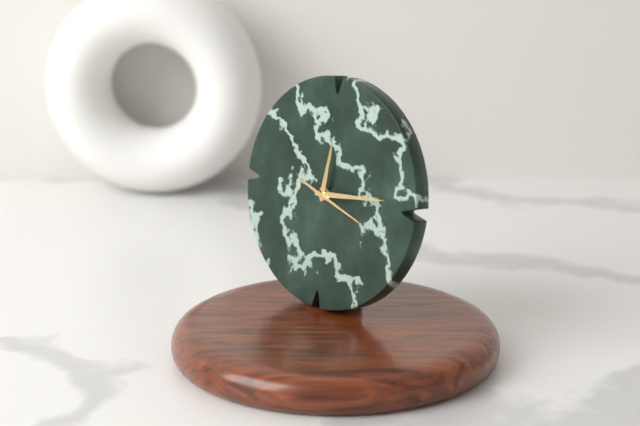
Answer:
12.14.18
